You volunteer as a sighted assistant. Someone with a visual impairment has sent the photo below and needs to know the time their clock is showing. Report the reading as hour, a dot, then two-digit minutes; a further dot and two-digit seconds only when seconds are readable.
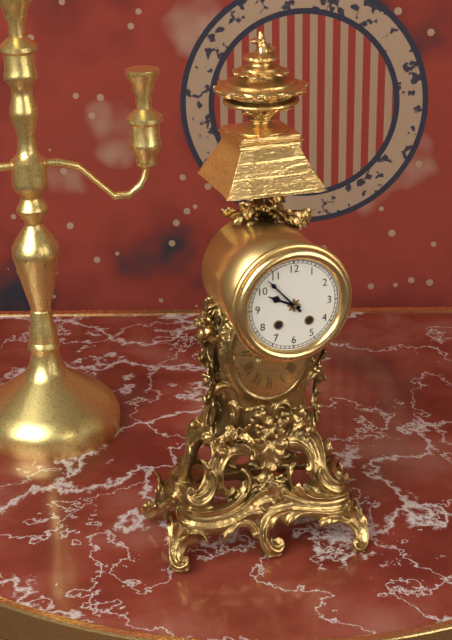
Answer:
9.53
